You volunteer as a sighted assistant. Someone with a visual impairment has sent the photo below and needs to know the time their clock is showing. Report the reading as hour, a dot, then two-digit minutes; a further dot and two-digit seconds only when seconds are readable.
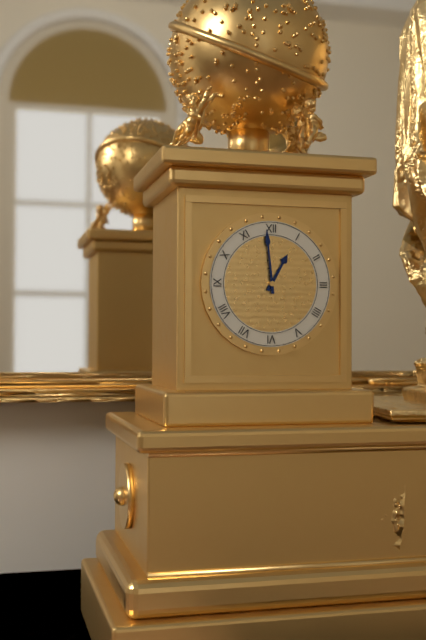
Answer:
12.59
